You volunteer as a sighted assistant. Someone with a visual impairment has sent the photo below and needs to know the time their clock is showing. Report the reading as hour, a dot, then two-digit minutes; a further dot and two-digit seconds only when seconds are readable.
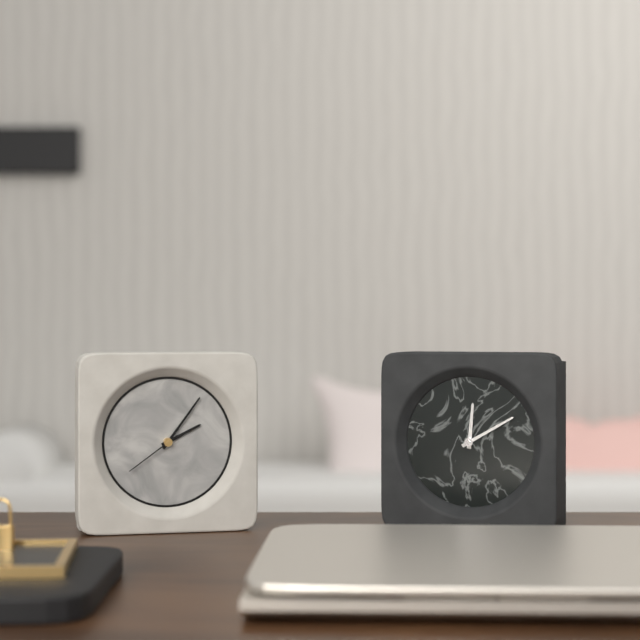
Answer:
2.06.39
